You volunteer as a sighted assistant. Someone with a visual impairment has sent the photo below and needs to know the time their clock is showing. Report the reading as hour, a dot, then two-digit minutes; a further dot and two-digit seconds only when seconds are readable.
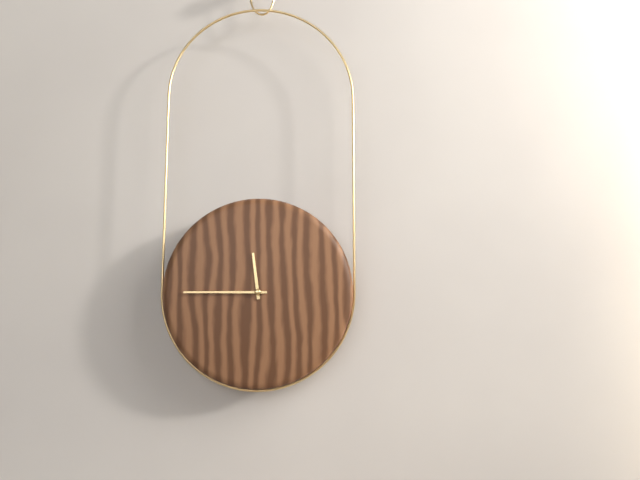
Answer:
11.45
